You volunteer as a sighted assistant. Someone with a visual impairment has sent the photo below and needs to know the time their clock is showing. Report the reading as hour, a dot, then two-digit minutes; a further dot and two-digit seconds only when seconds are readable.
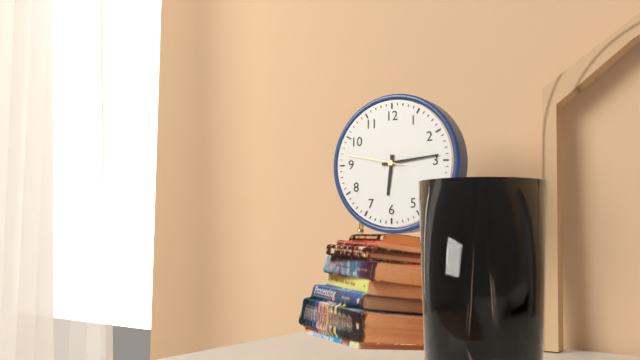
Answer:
6.14.47
